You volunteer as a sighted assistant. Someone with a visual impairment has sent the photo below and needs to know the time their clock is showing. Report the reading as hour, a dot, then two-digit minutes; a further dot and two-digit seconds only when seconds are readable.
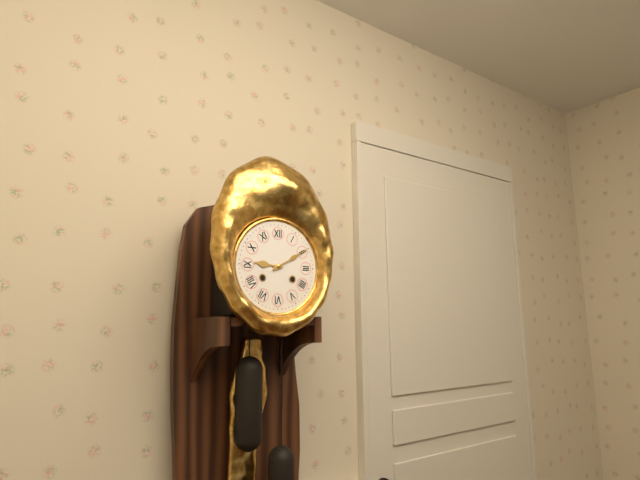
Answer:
9.10
